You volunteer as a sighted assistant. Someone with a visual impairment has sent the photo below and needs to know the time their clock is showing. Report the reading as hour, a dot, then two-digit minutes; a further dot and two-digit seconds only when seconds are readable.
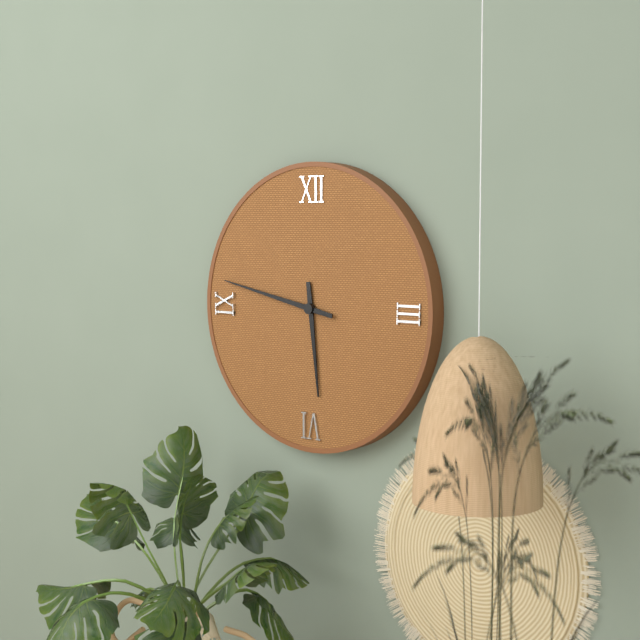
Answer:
5.47
